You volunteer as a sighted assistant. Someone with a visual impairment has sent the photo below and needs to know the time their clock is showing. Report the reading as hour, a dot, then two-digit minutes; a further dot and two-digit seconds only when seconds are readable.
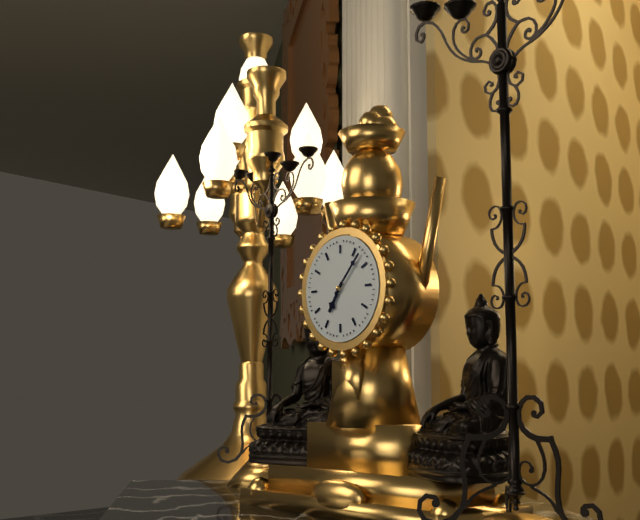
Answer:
7.07
